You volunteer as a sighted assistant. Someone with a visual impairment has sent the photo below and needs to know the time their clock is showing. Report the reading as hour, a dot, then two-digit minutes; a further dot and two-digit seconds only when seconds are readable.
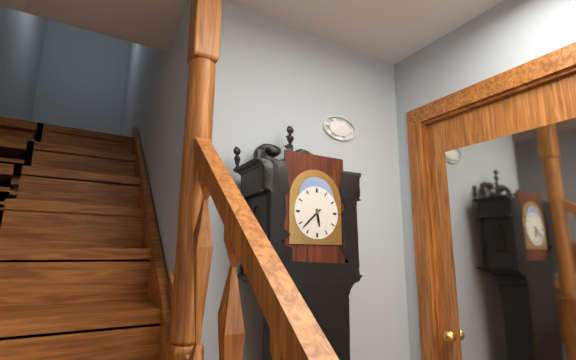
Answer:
5.38
